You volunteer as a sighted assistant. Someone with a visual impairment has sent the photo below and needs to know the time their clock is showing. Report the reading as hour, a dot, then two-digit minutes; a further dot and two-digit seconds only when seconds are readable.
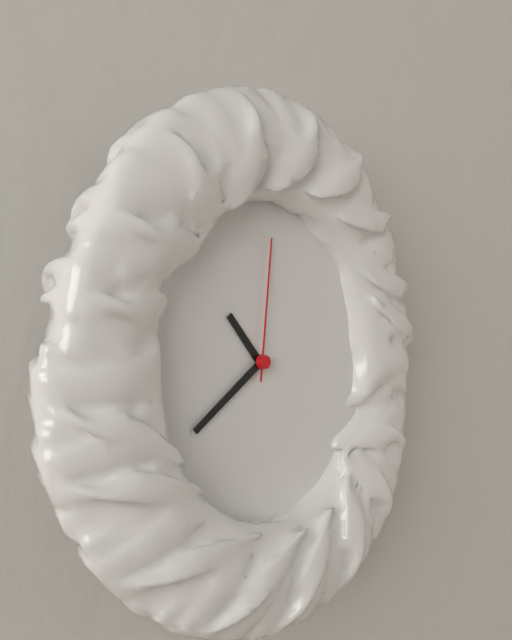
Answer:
10.39.01
